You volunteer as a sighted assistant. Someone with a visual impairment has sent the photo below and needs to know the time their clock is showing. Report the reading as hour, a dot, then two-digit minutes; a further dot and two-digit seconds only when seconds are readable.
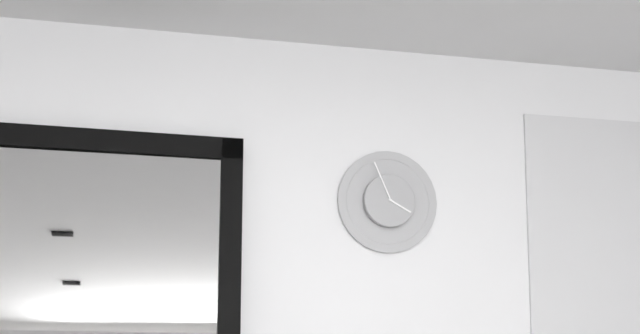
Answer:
3.56
